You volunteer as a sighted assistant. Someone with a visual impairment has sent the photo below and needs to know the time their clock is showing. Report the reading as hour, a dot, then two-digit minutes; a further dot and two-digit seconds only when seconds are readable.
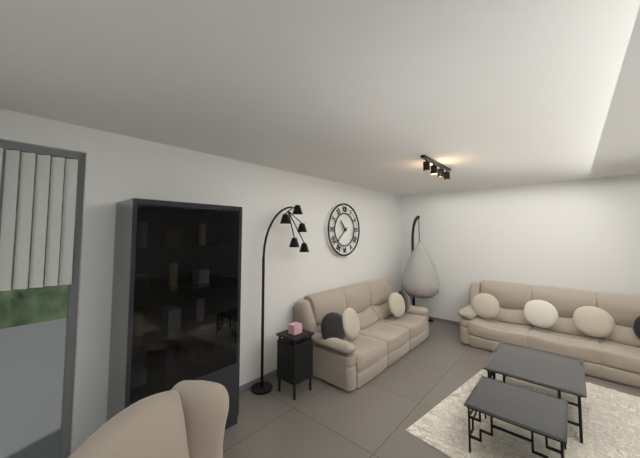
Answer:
10.38
